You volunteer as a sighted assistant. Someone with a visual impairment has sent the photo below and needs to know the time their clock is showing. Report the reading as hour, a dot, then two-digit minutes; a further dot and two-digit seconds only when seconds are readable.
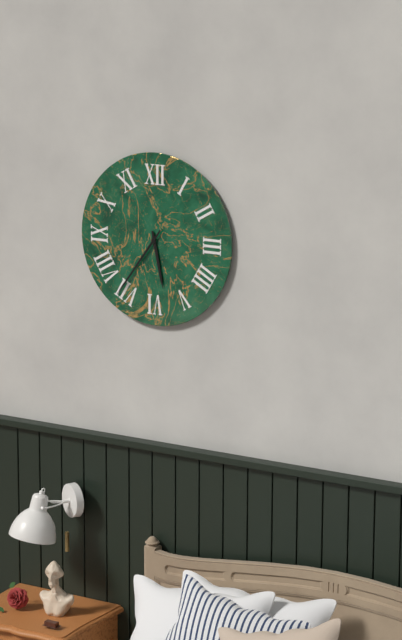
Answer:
5.36
